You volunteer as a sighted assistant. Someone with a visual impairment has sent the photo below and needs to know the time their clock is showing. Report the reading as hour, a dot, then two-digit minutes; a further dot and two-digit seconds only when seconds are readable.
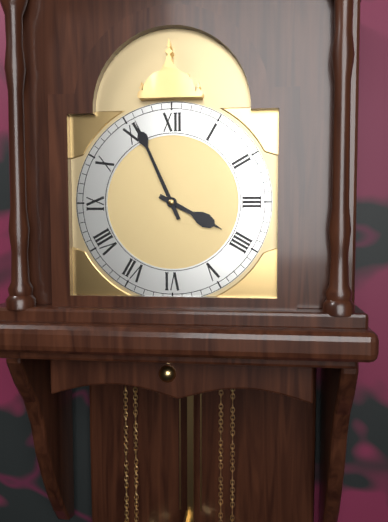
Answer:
3.56
